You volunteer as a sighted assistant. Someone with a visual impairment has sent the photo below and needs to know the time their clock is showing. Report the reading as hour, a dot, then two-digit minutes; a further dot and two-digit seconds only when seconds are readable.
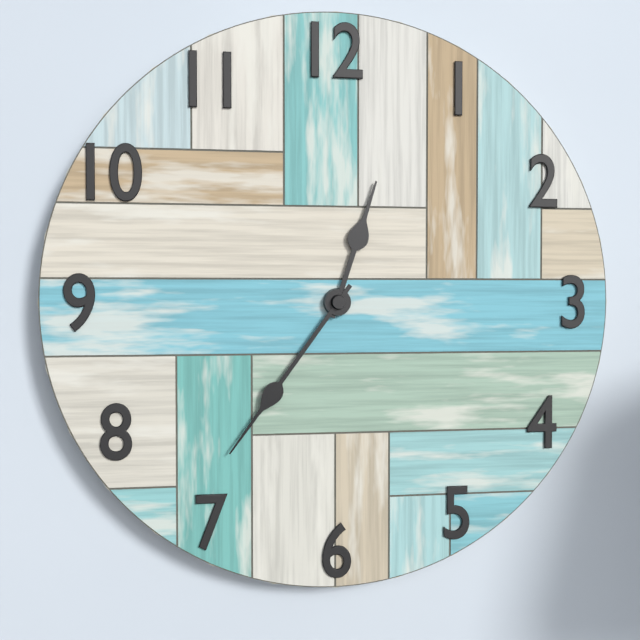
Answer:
12.36
